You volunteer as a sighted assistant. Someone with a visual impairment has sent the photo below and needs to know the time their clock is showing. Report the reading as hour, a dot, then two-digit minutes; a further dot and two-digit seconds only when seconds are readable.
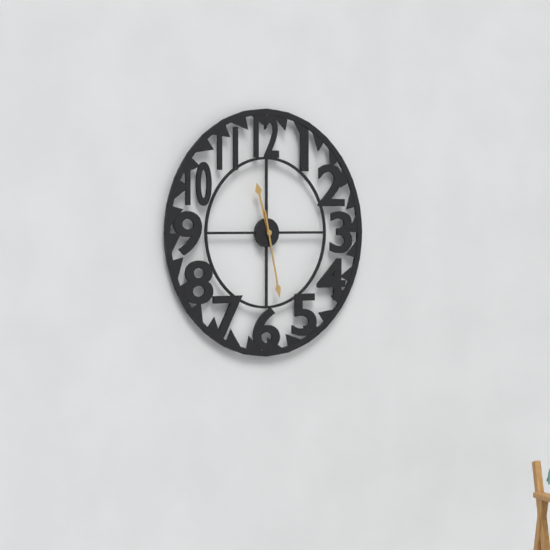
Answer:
11.28
